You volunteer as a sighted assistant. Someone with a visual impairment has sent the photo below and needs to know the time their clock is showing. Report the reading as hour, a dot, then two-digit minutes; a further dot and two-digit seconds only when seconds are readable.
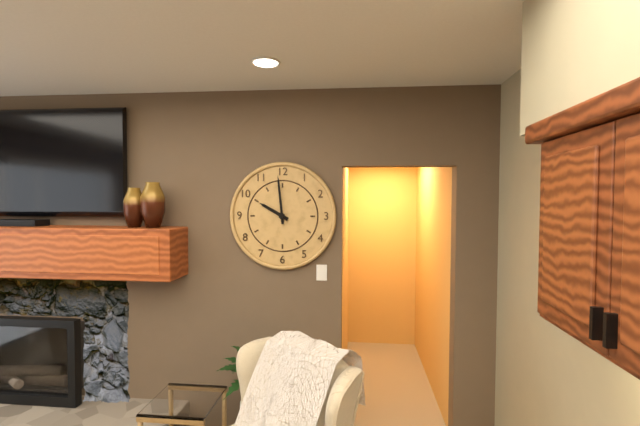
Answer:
9.59
